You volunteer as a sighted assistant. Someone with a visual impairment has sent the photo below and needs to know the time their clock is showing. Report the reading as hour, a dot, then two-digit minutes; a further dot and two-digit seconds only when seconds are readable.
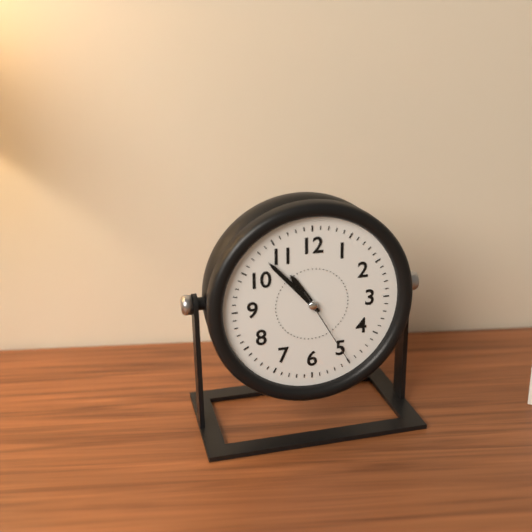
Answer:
10.53.25
